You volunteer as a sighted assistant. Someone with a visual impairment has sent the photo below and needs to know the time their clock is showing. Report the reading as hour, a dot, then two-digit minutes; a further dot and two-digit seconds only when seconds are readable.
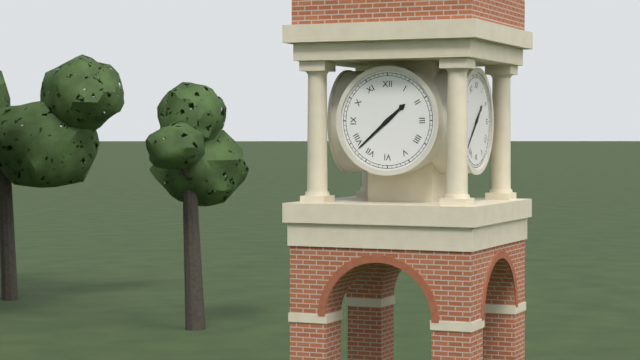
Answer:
1.38
